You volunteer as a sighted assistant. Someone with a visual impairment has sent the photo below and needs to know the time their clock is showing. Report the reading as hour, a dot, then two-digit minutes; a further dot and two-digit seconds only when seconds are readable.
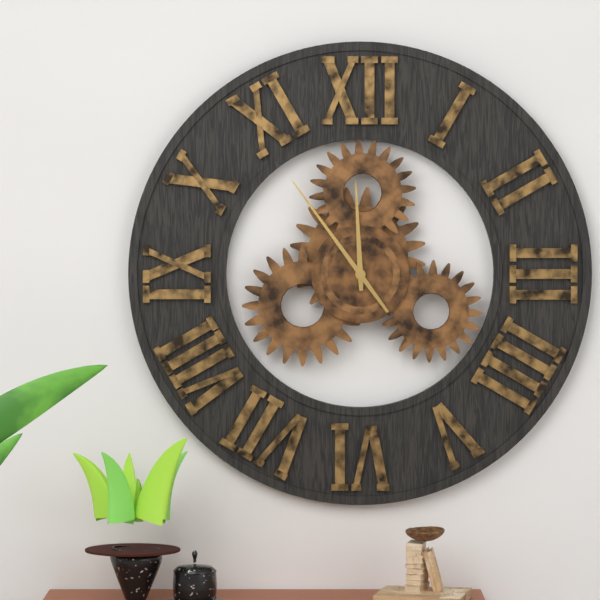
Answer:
11.54
